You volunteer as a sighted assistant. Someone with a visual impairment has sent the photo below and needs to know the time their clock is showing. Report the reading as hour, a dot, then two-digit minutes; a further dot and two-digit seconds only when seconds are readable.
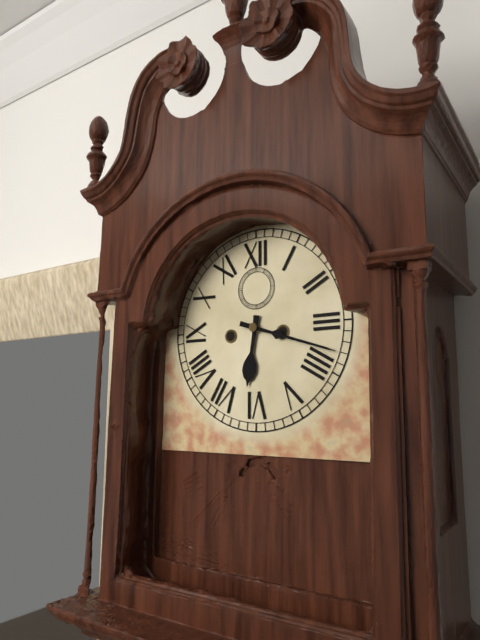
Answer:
6.18
